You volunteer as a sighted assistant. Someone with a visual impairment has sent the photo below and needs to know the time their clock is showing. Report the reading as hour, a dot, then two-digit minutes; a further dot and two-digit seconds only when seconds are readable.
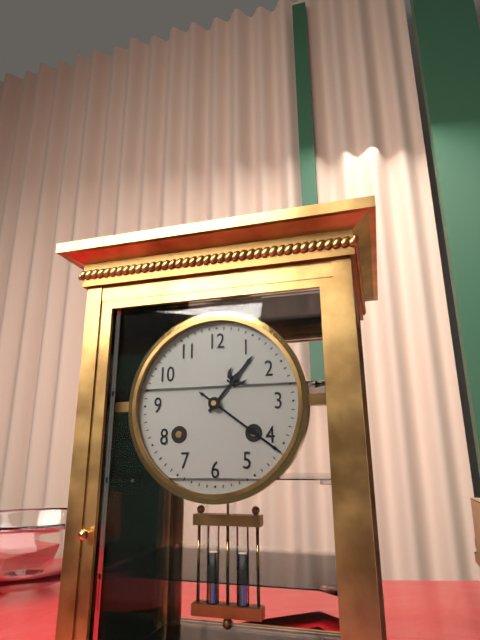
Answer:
1.21
